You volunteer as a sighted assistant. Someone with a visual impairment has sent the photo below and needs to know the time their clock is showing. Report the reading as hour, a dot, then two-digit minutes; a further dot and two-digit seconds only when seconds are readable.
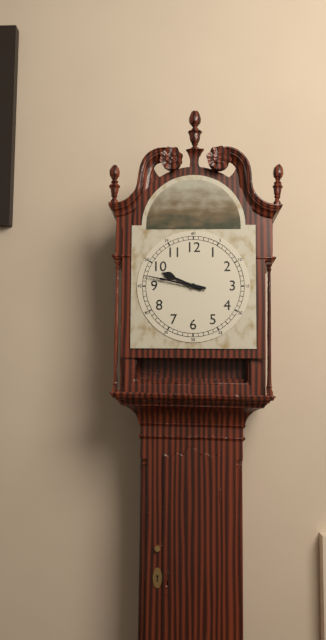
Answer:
9.47
